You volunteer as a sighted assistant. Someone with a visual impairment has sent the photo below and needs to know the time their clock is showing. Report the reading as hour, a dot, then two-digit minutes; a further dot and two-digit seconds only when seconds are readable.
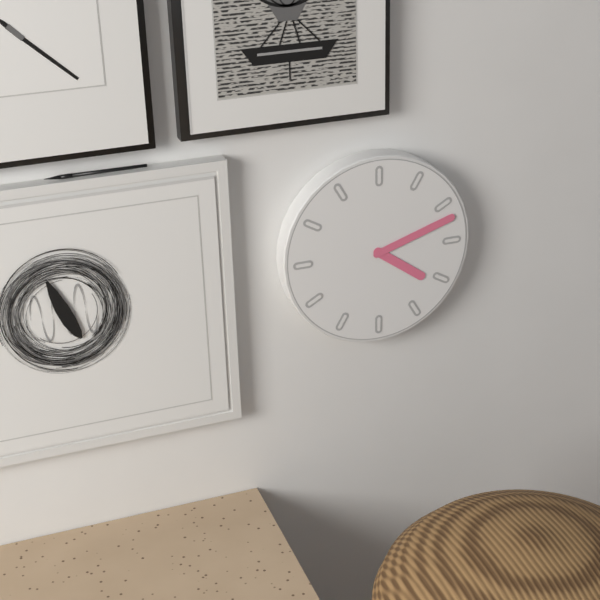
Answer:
4.12
